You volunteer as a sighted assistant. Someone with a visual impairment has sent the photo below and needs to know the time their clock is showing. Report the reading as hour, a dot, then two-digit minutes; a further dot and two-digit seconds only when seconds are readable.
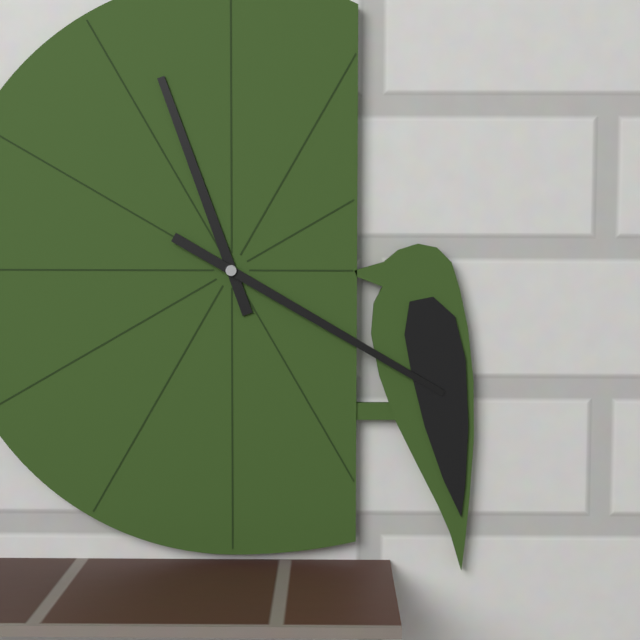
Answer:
11.20
